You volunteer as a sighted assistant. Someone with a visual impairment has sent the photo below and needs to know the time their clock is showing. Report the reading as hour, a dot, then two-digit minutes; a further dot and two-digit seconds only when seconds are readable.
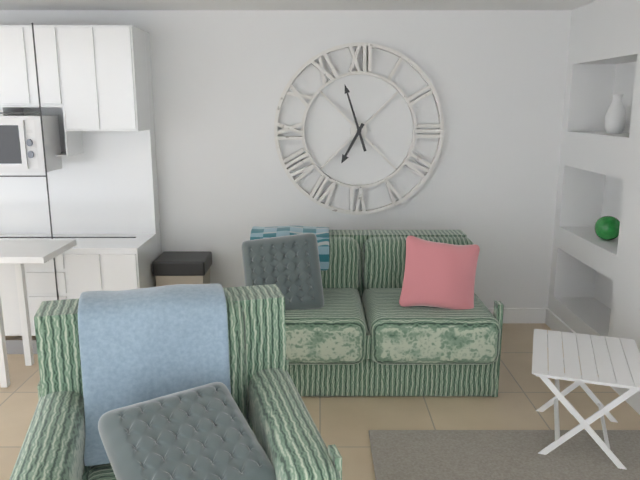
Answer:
6.57
